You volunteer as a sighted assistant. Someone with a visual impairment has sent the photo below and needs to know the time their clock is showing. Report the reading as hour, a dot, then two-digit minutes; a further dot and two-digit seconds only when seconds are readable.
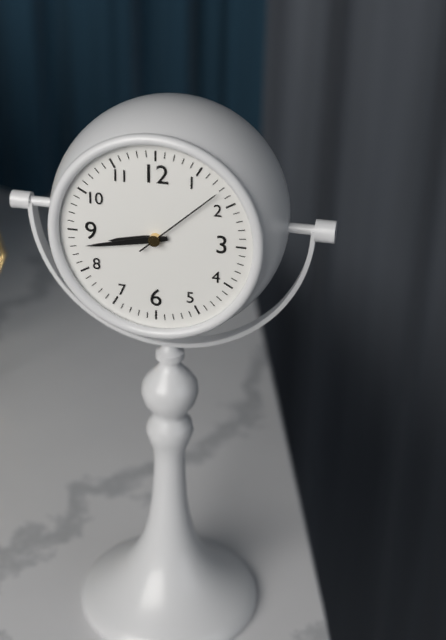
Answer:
8.43.08
